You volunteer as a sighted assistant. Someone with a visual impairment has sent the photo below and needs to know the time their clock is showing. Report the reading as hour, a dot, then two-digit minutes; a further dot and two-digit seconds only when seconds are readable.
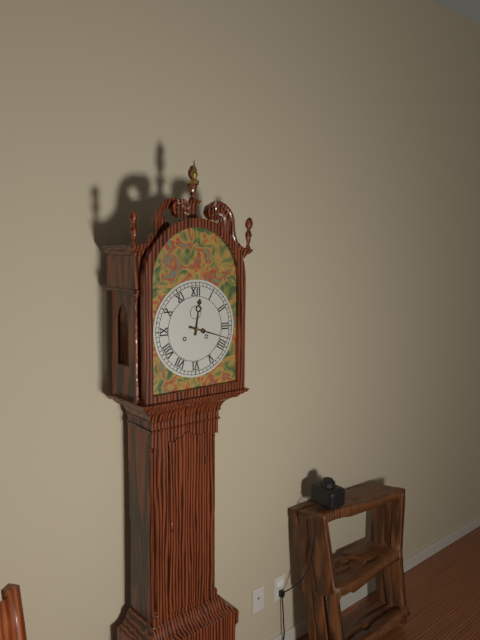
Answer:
12.18
